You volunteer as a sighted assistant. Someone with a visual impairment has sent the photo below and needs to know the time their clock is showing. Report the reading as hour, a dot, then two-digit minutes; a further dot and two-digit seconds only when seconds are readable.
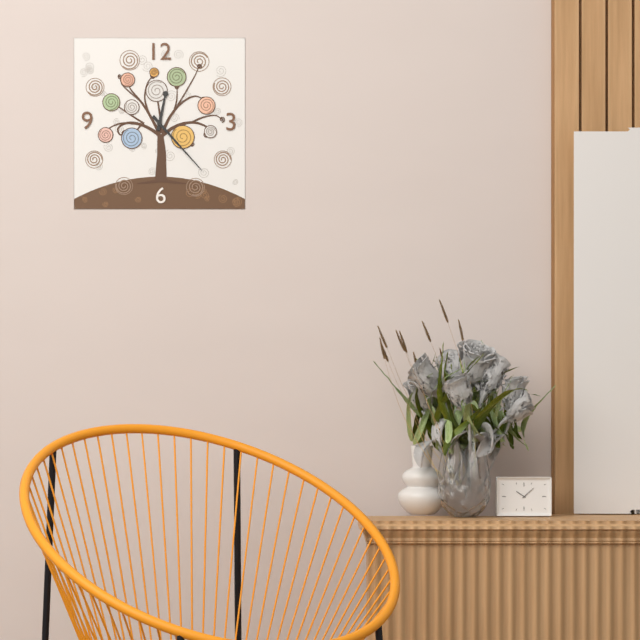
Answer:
12.23
